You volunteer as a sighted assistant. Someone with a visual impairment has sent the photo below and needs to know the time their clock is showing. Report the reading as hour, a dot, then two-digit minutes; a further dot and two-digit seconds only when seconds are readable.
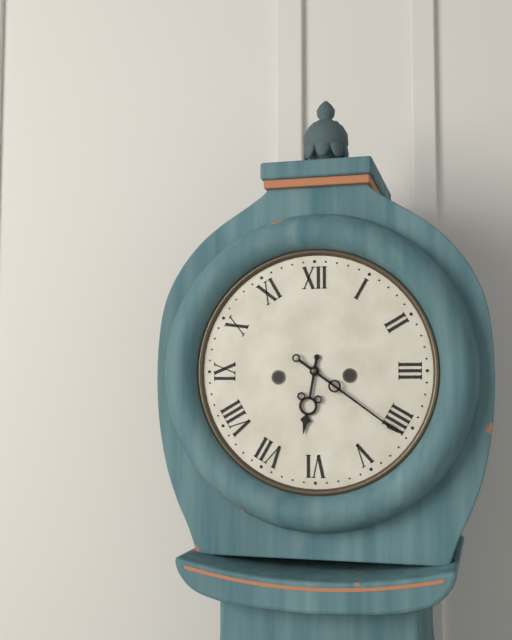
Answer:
6.21
